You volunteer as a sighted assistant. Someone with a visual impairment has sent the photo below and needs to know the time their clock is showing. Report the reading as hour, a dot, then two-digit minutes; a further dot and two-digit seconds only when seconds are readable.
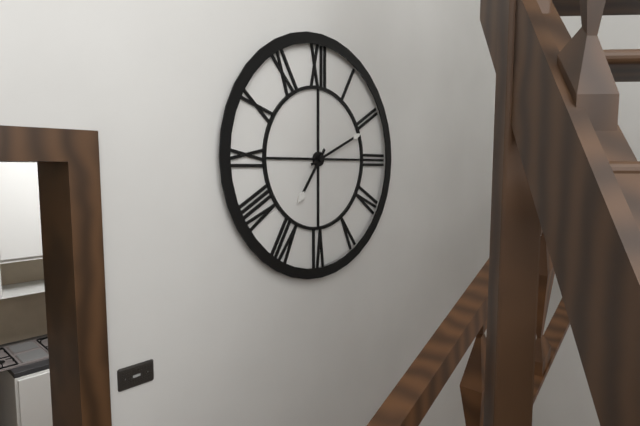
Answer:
7.11
